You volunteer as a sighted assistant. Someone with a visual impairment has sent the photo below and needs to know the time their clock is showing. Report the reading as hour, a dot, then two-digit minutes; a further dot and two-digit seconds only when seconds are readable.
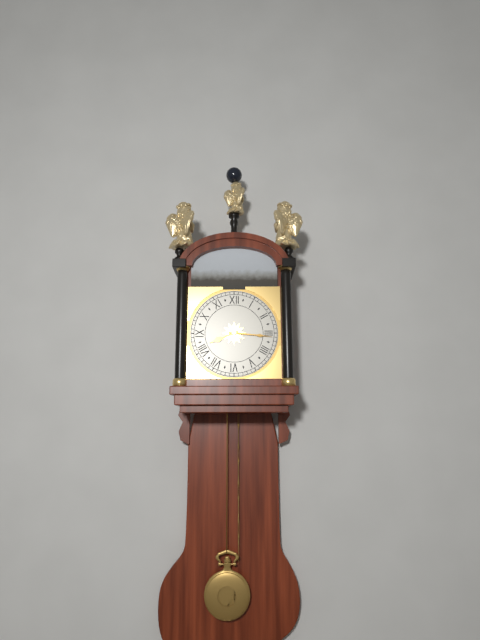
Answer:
8.16
